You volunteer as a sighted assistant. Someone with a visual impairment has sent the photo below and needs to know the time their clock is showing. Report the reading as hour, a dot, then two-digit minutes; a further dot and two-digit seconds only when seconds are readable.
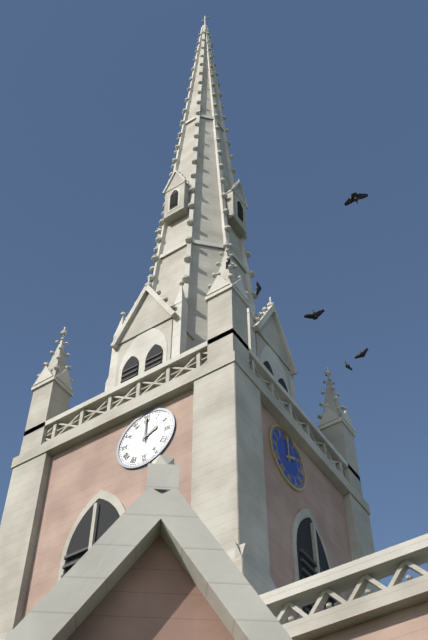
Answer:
2.00
